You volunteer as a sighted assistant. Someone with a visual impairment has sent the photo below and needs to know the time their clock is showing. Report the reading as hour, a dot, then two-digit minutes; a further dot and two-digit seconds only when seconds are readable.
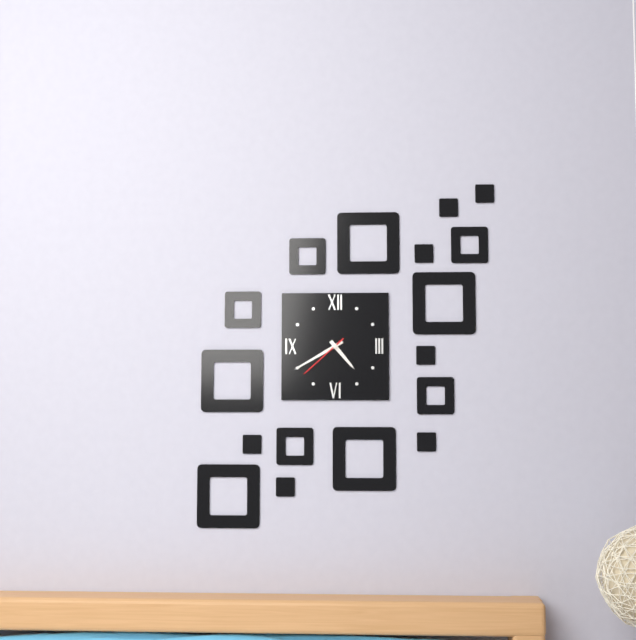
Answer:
4.40.38
